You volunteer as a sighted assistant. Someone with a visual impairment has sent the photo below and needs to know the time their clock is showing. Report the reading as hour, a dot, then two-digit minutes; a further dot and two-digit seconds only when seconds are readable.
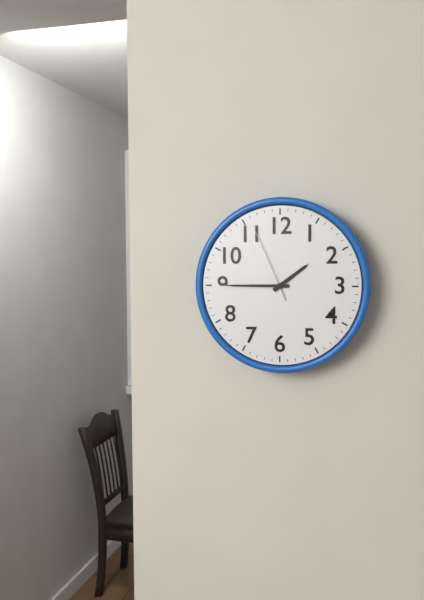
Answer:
1.45.56
